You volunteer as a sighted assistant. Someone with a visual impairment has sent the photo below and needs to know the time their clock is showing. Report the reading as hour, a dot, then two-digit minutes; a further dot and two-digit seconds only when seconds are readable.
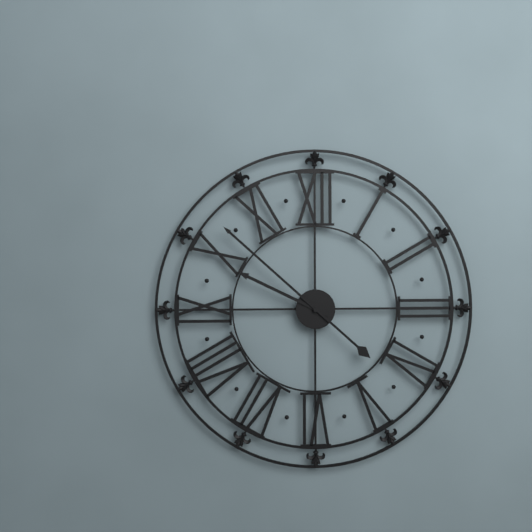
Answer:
9.52
